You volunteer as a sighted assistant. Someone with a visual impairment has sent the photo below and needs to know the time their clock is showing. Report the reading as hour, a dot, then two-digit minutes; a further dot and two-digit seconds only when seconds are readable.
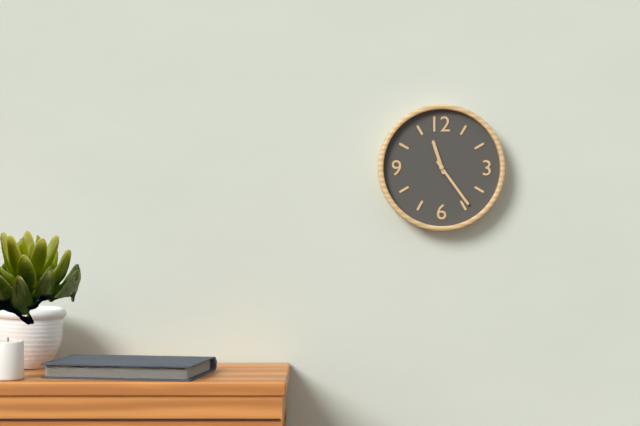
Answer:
11.24
